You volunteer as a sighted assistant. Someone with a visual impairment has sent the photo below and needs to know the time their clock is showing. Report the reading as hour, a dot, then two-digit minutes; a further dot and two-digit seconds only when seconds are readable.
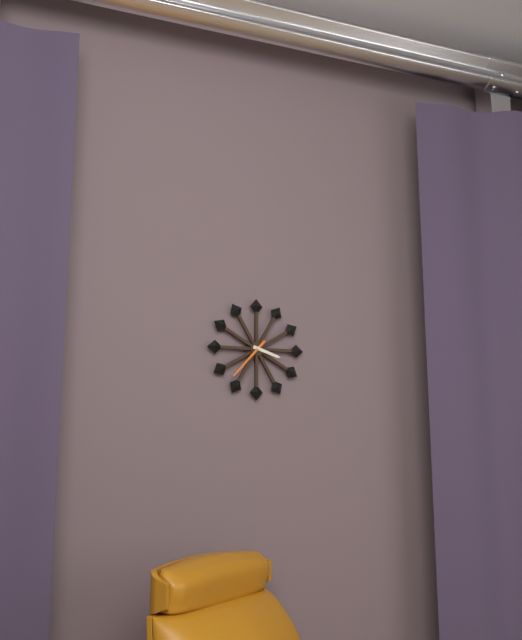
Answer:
3.37
